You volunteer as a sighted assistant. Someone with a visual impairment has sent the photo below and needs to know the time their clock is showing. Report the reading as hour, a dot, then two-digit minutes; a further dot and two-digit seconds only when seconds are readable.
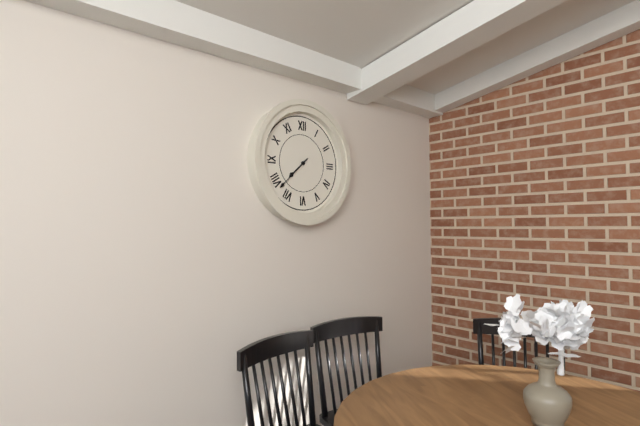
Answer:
7.38
